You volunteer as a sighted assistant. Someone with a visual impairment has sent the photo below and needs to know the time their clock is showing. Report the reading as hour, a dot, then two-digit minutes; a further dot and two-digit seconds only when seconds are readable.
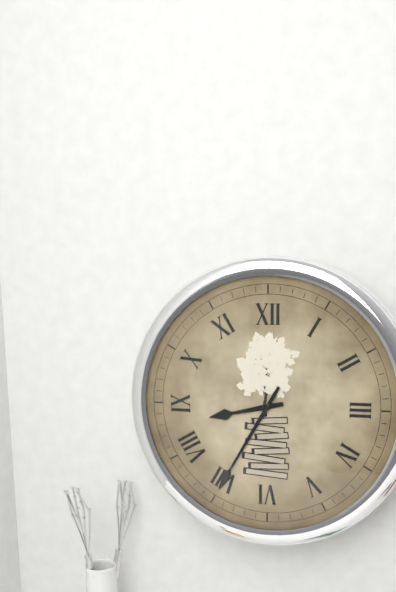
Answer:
8.35
